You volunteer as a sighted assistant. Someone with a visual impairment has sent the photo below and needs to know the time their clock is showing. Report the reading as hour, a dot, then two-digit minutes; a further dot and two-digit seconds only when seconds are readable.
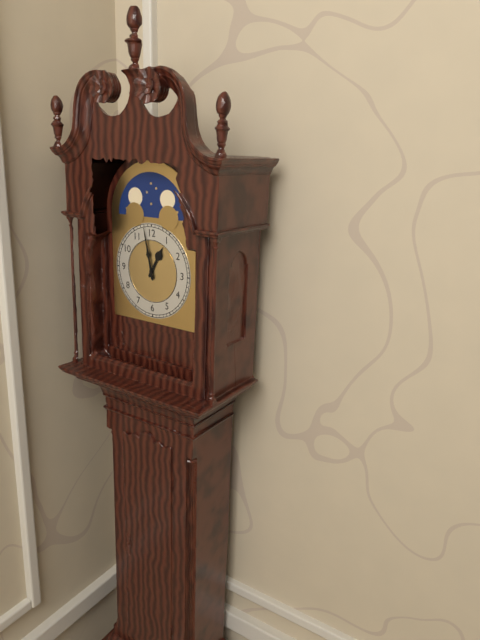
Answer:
12.58
